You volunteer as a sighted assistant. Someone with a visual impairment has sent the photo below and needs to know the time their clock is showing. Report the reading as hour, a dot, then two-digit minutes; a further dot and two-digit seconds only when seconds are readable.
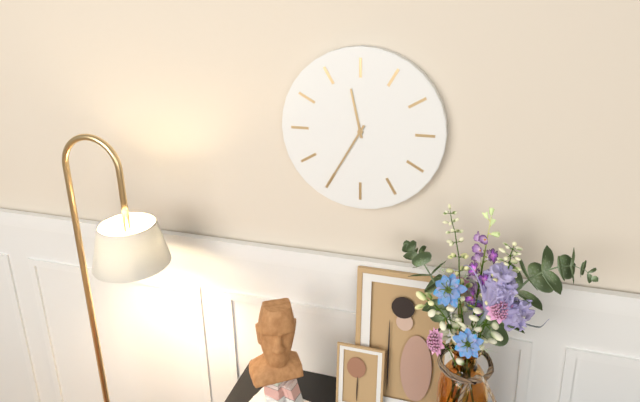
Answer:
11.35
